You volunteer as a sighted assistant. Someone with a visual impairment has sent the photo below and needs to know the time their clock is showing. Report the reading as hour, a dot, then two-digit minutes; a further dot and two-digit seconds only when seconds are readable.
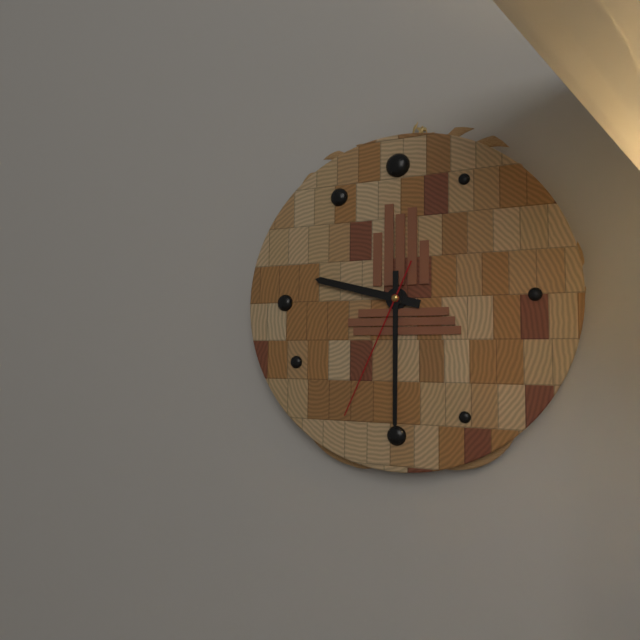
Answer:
9.30.34
